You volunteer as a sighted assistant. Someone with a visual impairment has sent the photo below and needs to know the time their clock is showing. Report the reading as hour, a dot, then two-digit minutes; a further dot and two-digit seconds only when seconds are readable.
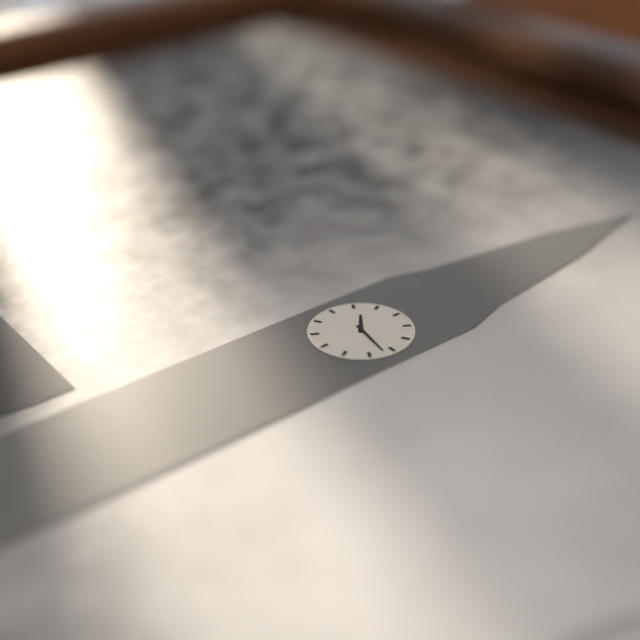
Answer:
10.17
